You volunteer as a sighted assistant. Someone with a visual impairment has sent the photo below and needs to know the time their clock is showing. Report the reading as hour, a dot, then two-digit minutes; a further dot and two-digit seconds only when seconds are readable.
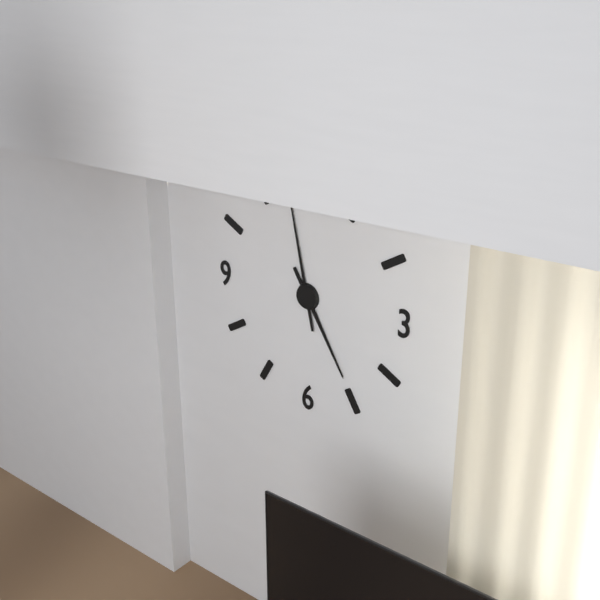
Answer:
4.58
